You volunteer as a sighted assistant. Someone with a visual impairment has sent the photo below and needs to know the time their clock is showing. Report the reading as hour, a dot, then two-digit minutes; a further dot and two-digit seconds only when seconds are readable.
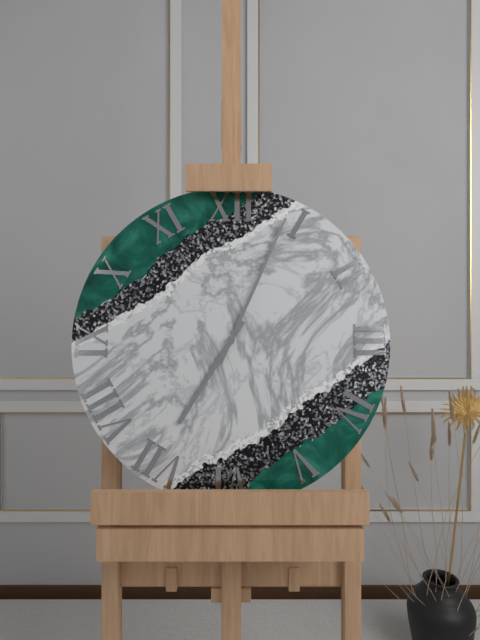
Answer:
7.04
